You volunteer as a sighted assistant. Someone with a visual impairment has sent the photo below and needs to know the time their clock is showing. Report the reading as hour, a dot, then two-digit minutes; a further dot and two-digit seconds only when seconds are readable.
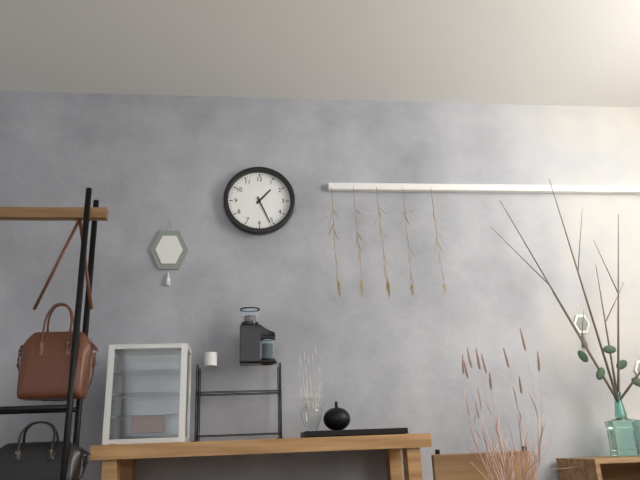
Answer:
1.26
